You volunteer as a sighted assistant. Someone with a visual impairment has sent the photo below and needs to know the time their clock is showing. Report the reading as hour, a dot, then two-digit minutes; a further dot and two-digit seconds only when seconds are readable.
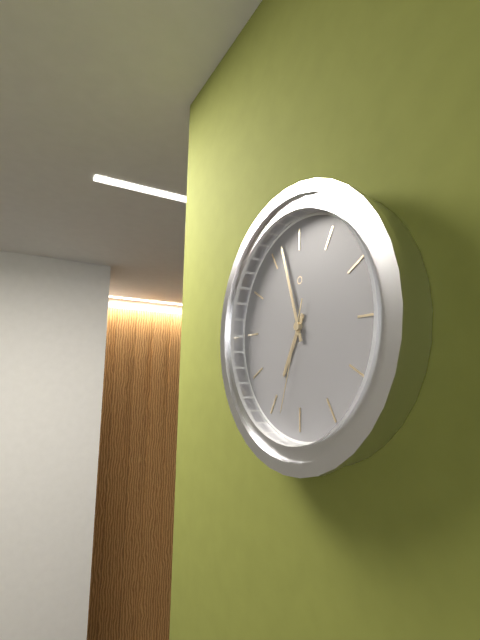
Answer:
6.57.33
